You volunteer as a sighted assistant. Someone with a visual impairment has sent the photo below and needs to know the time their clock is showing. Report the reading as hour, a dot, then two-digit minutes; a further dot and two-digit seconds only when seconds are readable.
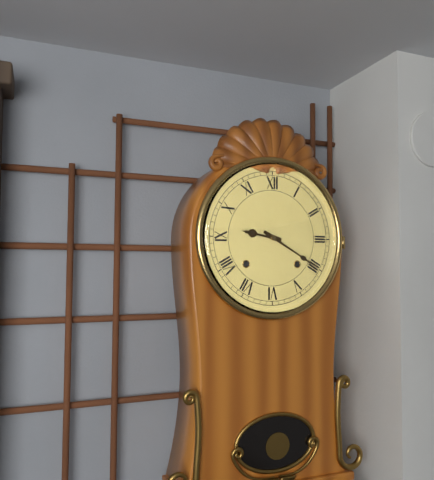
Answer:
9.20
